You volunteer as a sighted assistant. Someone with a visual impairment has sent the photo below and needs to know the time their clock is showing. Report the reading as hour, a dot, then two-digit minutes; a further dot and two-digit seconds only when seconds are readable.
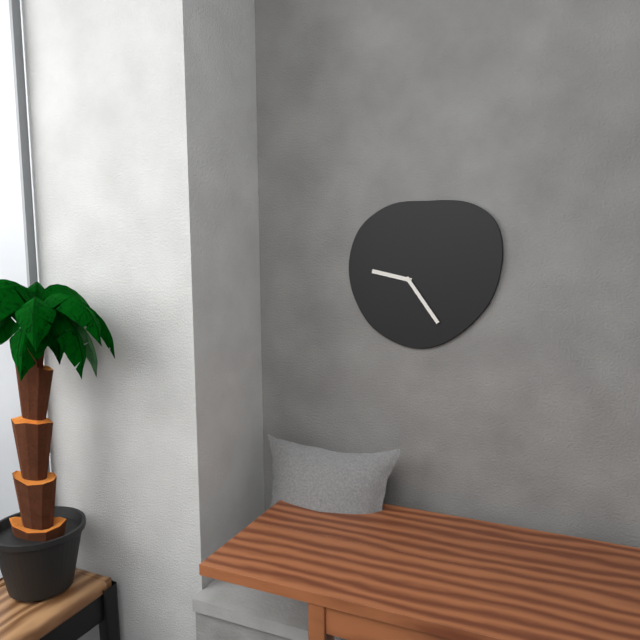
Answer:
9.24
